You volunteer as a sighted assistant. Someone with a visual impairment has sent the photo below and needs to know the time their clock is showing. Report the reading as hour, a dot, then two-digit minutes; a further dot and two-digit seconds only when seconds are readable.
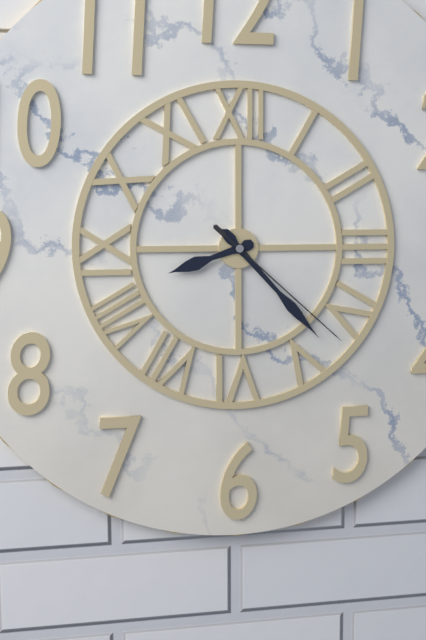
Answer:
8.23.22
